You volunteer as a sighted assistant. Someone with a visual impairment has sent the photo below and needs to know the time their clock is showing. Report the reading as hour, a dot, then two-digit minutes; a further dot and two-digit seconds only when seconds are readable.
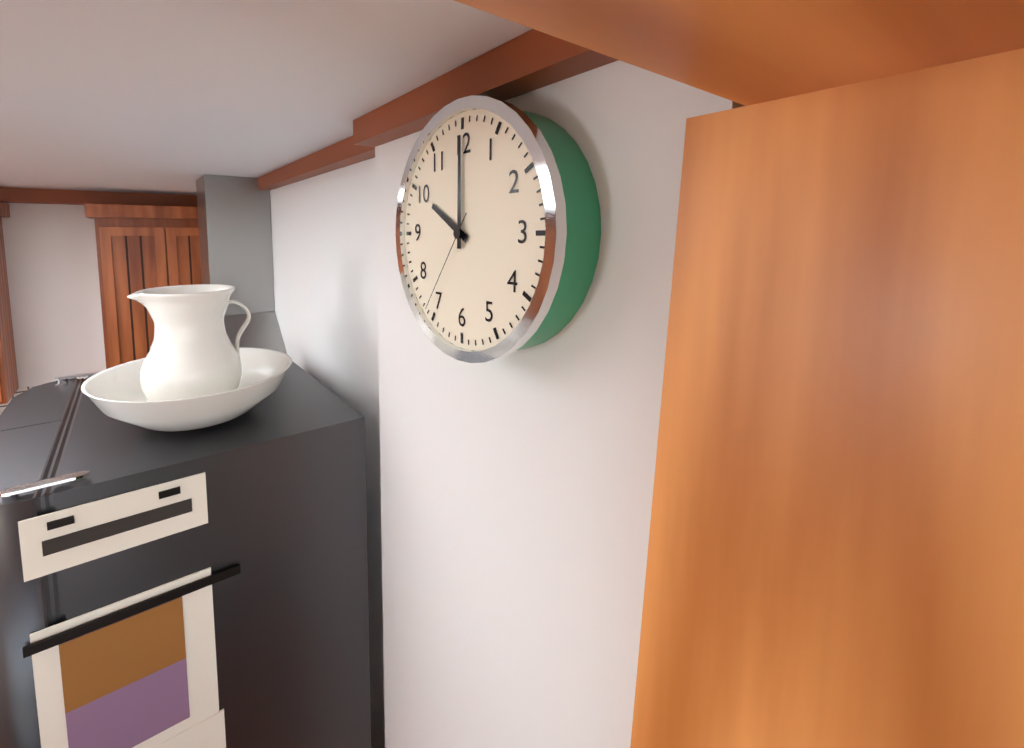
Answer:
10.00.36
